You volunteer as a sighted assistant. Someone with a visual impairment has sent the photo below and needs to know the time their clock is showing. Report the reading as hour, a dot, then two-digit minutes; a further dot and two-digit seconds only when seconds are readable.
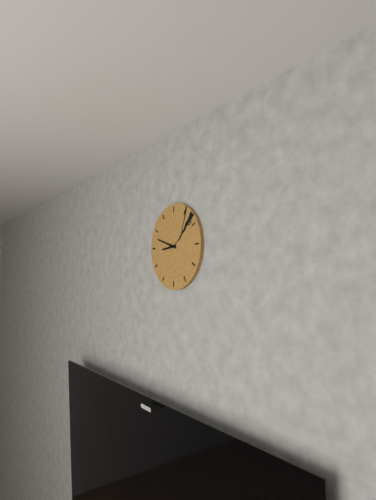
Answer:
8.48
